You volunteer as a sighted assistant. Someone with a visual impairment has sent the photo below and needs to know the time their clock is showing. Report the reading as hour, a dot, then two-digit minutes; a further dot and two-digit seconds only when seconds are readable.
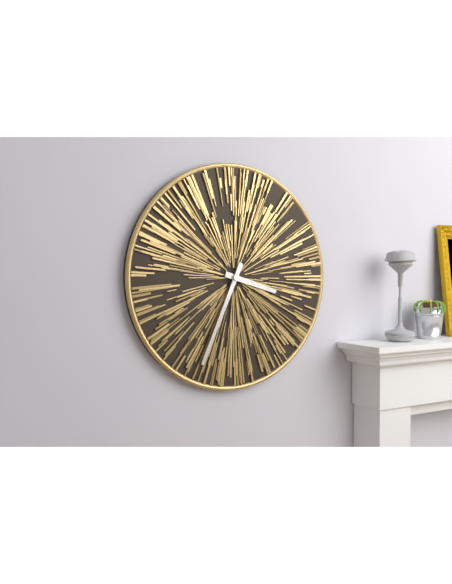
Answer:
3.34
